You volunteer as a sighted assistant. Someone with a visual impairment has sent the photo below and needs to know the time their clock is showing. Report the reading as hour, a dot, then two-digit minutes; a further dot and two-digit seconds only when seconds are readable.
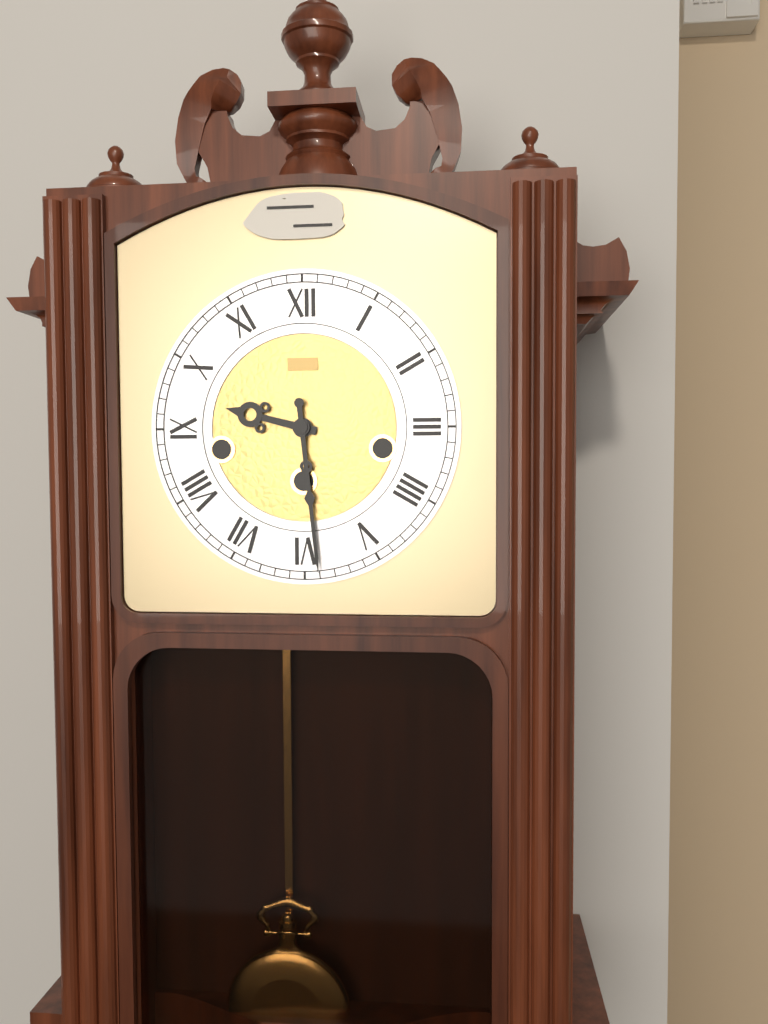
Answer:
9.29
